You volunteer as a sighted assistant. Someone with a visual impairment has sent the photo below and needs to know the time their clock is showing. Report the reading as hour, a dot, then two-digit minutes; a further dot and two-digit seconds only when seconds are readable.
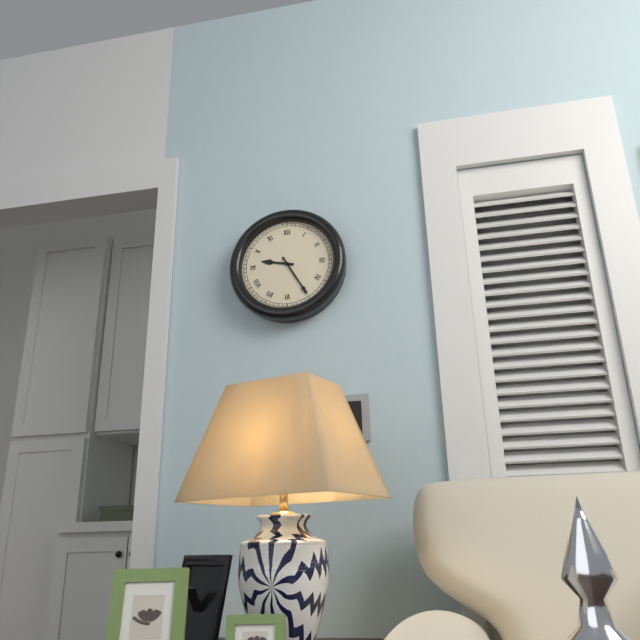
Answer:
9.25
